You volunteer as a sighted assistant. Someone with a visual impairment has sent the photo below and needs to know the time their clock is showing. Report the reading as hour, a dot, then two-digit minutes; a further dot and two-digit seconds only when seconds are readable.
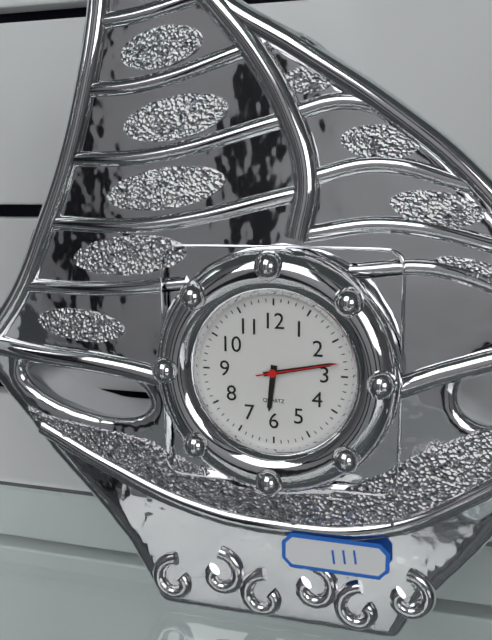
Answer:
6.13.13
